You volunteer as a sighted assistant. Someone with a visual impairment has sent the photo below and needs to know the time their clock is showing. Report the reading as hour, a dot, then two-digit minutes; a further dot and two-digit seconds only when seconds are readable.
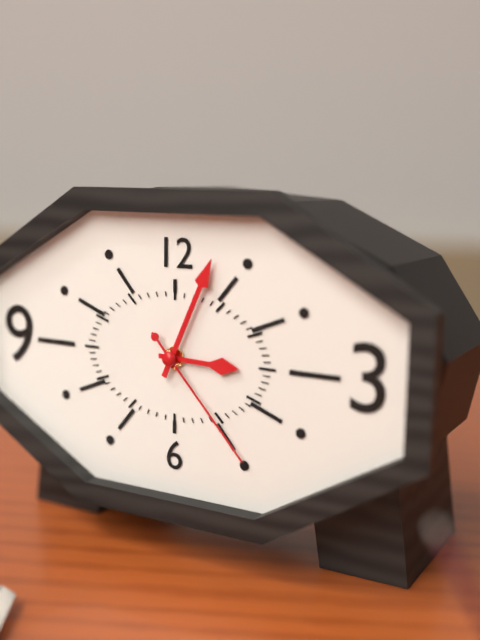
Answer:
3.04.23
